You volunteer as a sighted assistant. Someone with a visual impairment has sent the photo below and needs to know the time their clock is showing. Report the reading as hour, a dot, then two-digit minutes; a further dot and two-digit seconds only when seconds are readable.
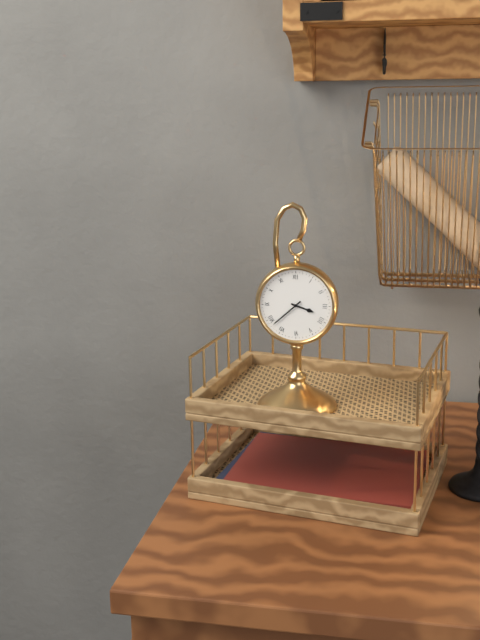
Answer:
3.38
